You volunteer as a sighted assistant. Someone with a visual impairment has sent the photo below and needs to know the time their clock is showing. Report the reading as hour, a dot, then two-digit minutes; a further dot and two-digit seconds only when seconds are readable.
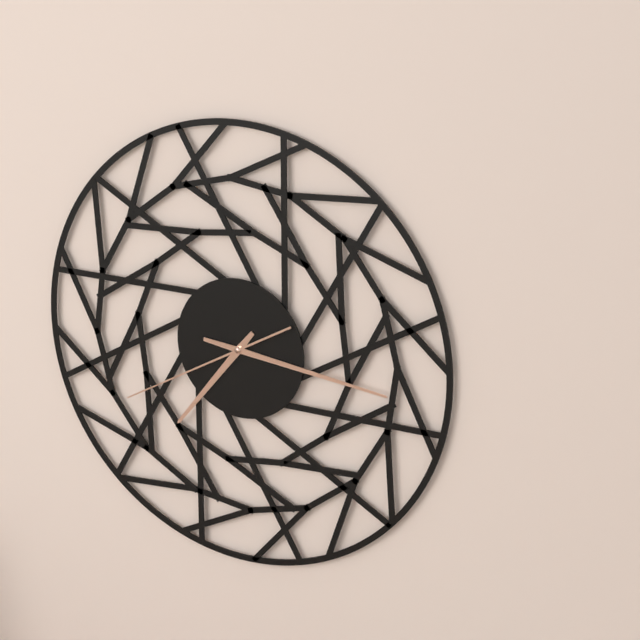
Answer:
7.16.40
